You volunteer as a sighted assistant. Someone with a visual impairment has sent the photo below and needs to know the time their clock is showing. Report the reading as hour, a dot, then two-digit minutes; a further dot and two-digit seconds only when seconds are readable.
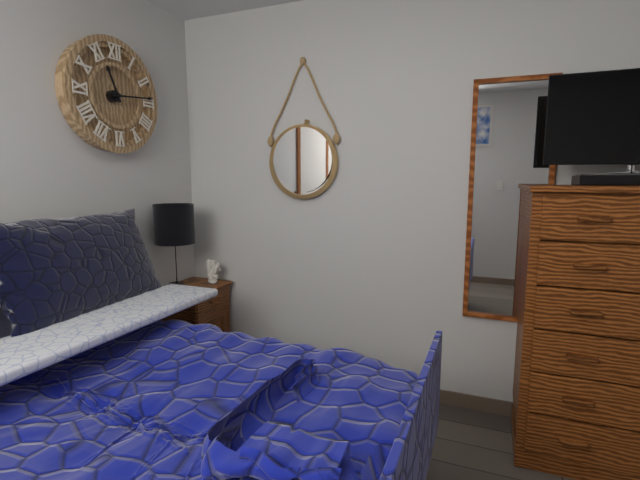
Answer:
11.14
